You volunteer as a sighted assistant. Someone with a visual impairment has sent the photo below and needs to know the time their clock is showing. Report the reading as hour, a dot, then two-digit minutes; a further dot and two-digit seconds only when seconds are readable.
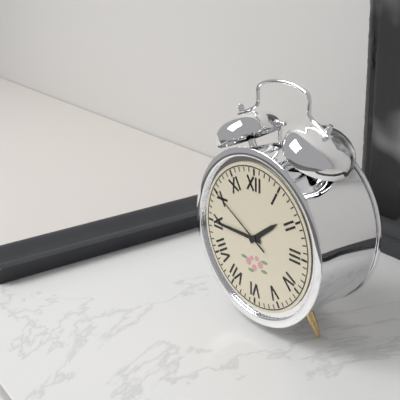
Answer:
1.45.50
